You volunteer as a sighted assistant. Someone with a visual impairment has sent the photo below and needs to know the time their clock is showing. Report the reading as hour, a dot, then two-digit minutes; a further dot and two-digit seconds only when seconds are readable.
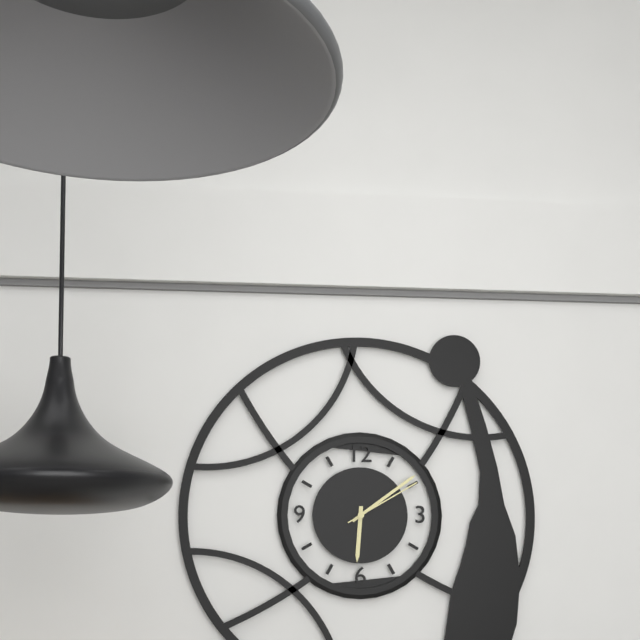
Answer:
6.09.10
